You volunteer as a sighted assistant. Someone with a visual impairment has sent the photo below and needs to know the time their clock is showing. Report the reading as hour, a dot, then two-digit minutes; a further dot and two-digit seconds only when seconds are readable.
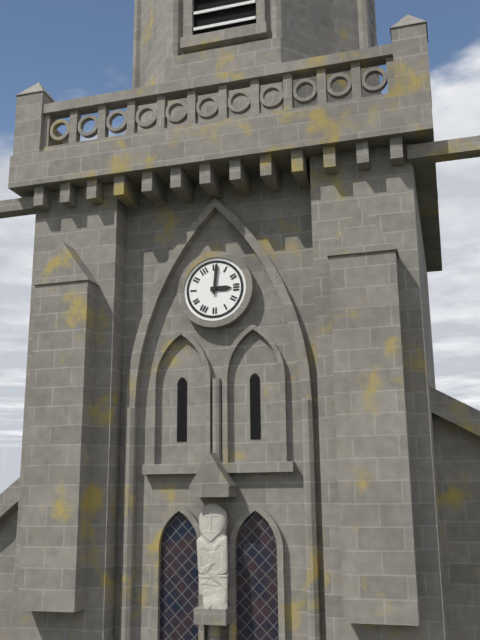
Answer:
3.01
